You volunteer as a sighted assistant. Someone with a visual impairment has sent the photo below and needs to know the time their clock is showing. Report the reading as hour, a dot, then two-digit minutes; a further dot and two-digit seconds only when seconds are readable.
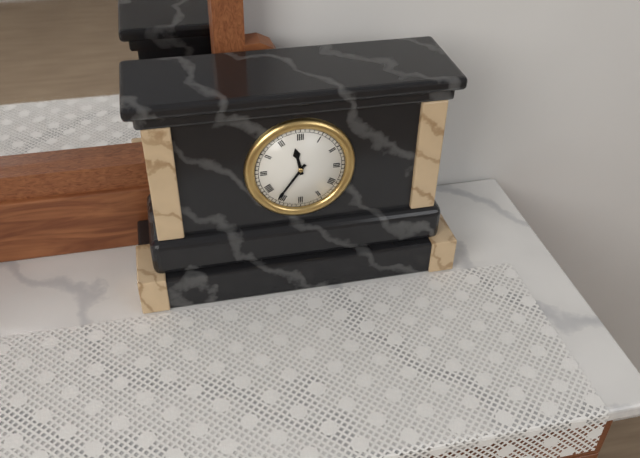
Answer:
11.36
